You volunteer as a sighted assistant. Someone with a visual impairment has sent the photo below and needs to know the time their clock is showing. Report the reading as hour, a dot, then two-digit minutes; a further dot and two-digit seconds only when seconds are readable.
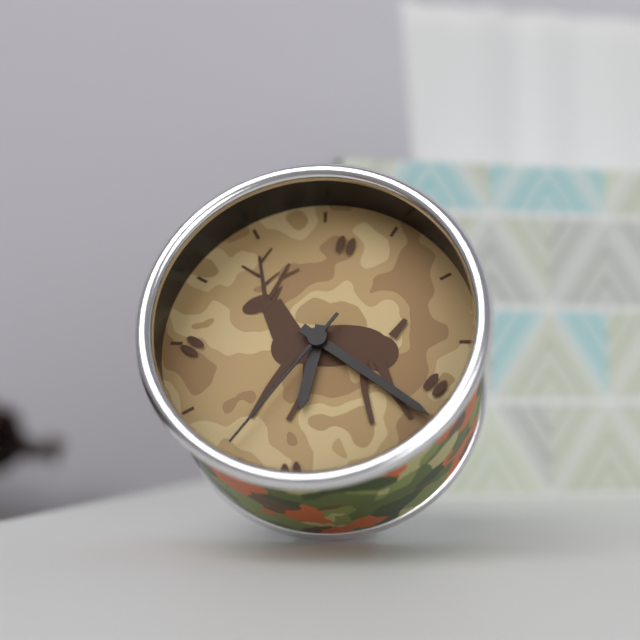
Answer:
6.21.36
